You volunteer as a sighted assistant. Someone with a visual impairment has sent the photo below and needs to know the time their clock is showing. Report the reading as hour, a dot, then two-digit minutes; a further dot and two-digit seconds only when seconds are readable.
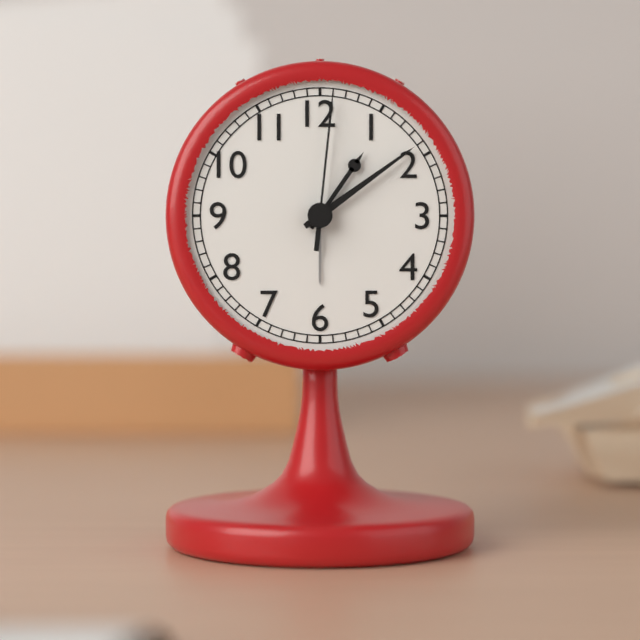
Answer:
1.09.01
